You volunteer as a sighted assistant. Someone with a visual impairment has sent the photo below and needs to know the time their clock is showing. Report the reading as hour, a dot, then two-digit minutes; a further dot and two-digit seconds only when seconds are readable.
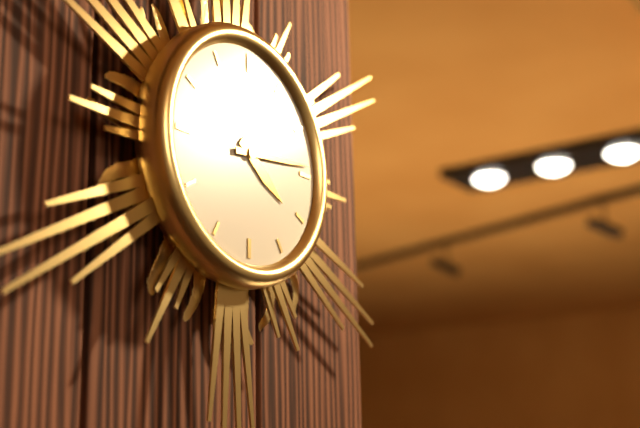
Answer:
4.14
